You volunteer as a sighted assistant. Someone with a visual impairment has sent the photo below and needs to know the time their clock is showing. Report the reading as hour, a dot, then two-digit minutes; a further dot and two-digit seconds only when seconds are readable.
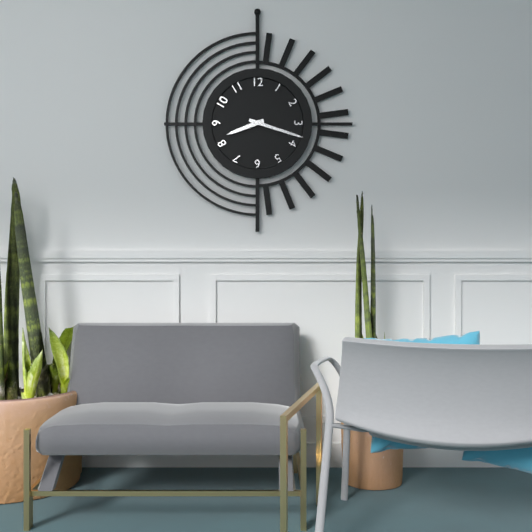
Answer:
8.18
